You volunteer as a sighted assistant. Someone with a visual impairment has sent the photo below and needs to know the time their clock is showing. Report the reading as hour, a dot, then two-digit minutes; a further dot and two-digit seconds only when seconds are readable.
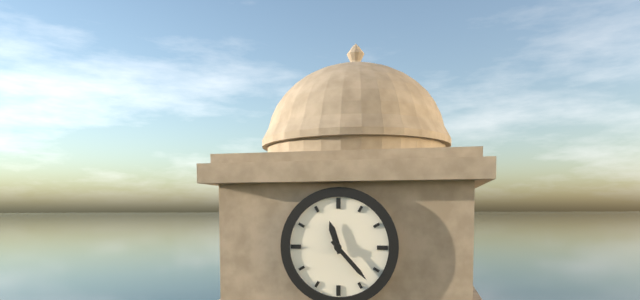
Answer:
11.23
